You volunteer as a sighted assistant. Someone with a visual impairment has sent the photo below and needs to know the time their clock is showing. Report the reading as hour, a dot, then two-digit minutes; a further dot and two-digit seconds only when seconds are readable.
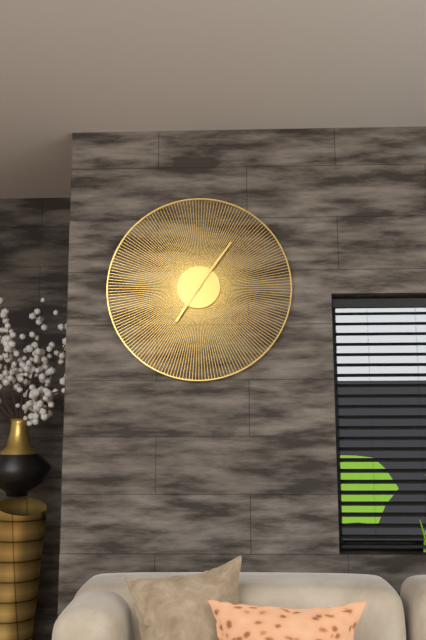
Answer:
7.06
